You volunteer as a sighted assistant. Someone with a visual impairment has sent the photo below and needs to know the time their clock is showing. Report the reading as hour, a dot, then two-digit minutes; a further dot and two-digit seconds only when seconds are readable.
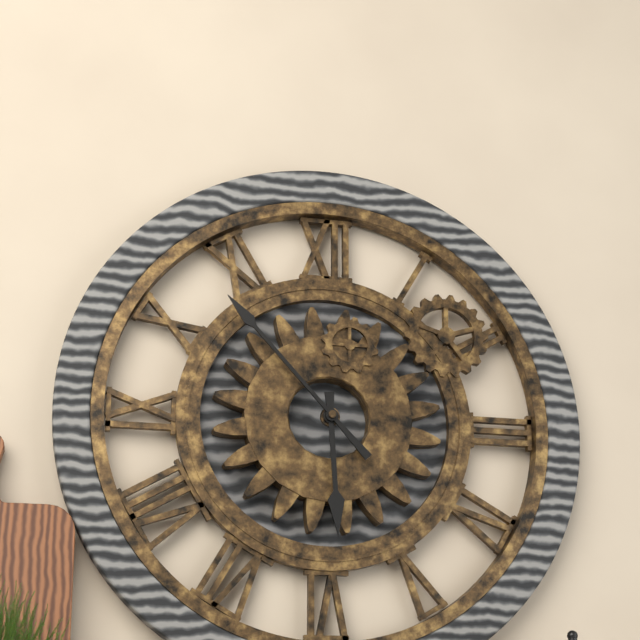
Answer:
5.53
